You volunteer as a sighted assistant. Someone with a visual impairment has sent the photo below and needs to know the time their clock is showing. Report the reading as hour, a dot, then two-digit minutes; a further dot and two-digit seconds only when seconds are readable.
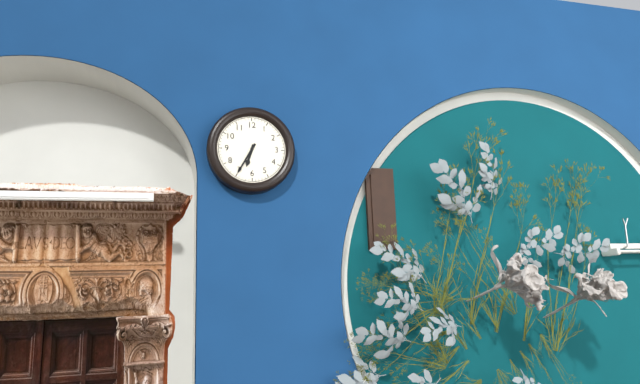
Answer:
6.35
